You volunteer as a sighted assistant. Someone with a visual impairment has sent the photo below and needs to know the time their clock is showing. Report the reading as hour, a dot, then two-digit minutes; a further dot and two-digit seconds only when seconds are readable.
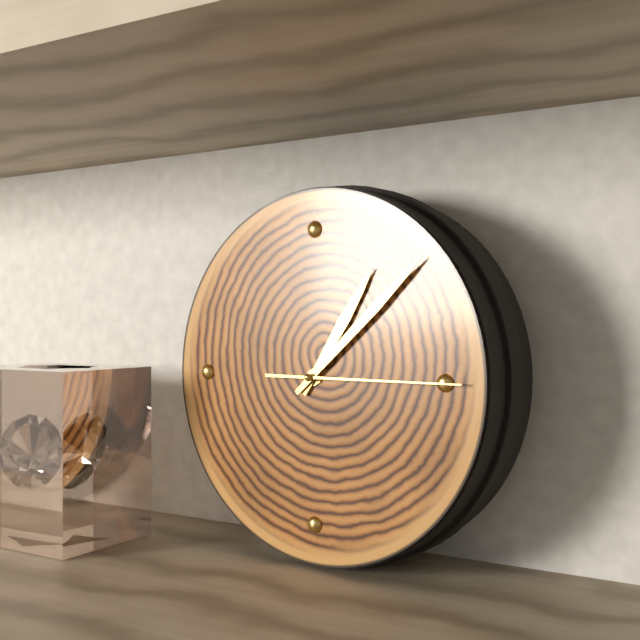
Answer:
1.08.15
